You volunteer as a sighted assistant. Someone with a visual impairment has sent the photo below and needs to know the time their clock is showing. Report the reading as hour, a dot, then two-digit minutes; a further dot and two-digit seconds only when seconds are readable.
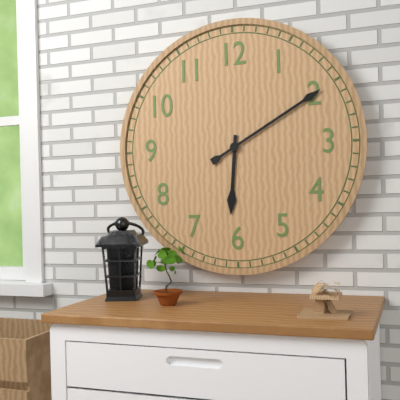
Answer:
6.10
